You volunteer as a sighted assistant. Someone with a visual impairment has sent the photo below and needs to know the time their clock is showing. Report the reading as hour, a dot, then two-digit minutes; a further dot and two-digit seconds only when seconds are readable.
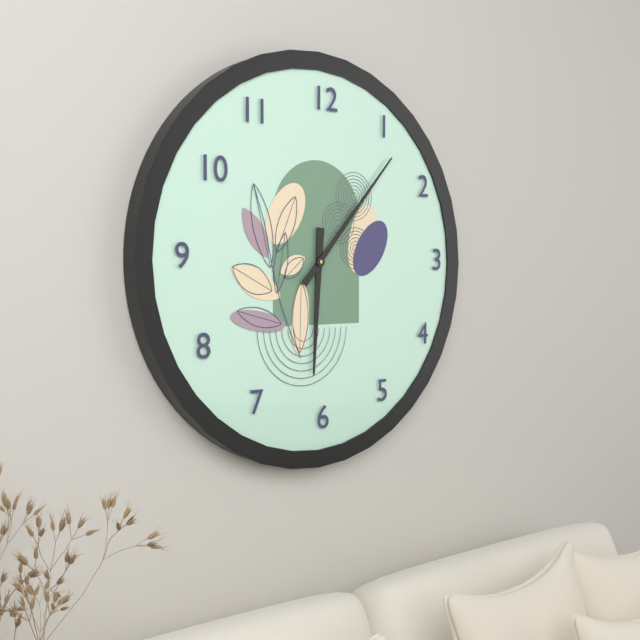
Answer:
6.07
